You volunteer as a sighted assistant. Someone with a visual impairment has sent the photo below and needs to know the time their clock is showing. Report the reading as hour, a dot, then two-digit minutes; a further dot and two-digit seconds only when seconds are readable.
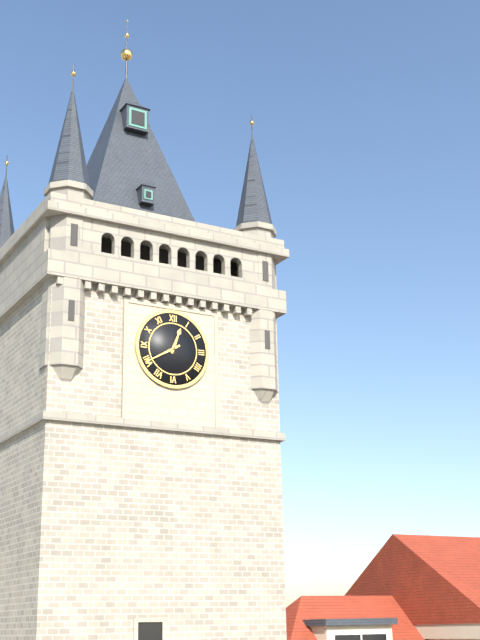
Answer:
12.40
